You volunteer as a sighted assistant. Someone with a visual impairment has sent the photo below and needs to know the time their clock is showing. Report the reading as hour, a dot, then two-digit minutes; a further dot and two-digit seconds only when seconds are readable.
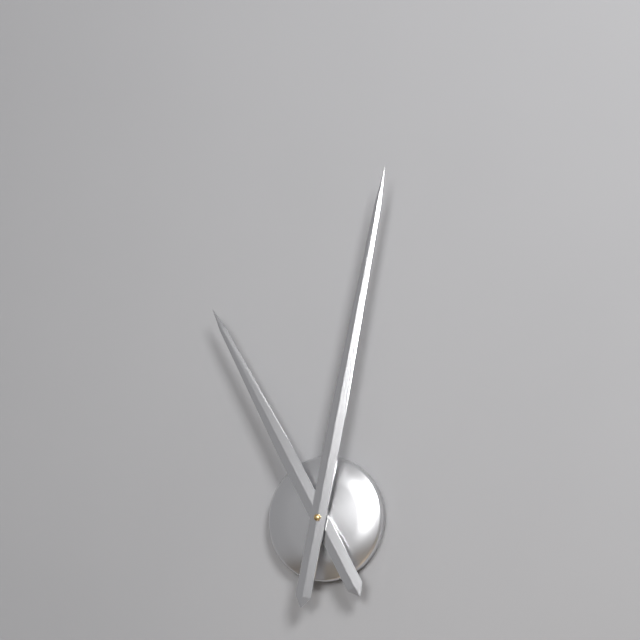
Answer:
11.02
